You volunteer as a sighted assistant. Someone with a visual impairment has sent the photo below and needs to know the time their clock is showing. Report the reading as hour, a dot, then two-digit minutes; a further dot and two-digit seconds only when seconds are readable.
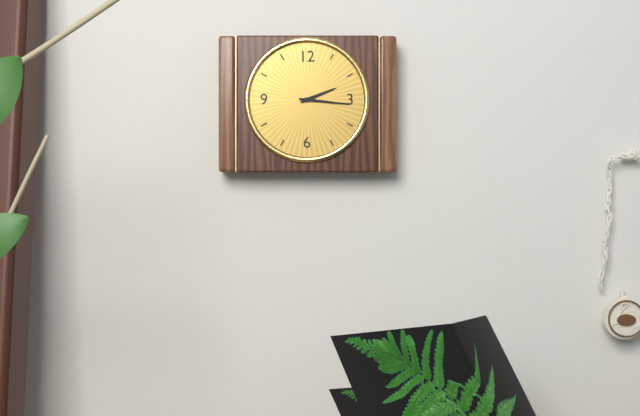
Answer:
2.16
